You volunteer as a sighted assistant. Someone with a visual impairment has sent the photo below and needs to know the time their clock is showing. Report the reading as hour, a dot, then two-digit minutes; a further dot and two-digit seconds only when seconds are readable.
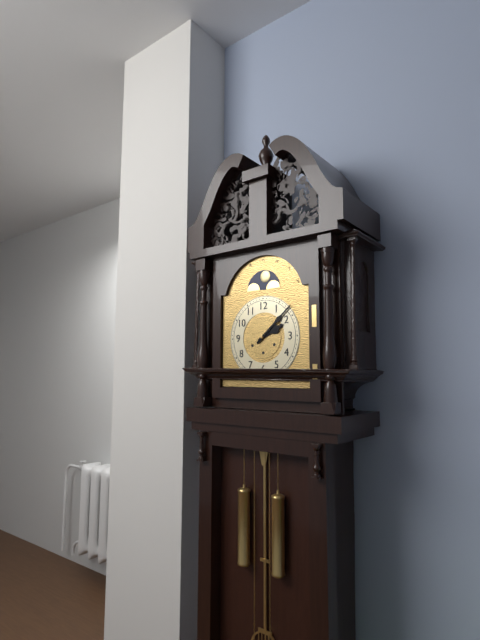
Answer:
2.08
